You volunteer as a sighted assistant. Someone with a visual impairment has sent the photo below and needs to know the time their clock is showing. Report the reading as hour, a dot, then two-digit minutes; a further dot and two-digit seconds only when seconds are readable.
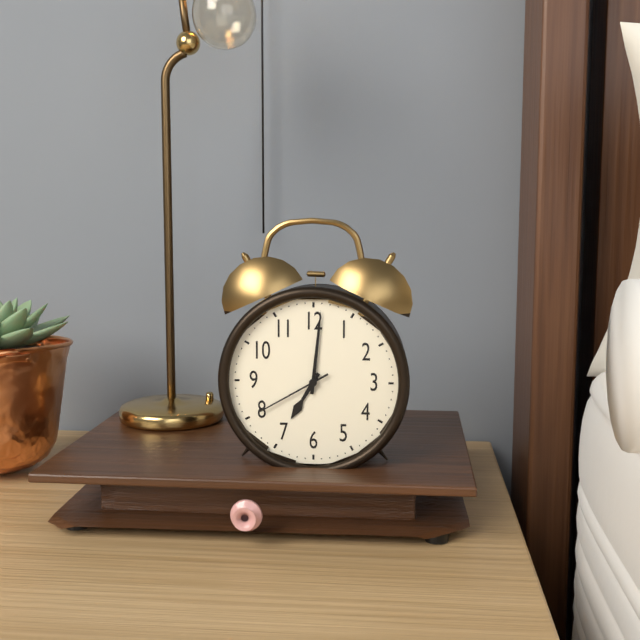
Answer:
7.01.40
